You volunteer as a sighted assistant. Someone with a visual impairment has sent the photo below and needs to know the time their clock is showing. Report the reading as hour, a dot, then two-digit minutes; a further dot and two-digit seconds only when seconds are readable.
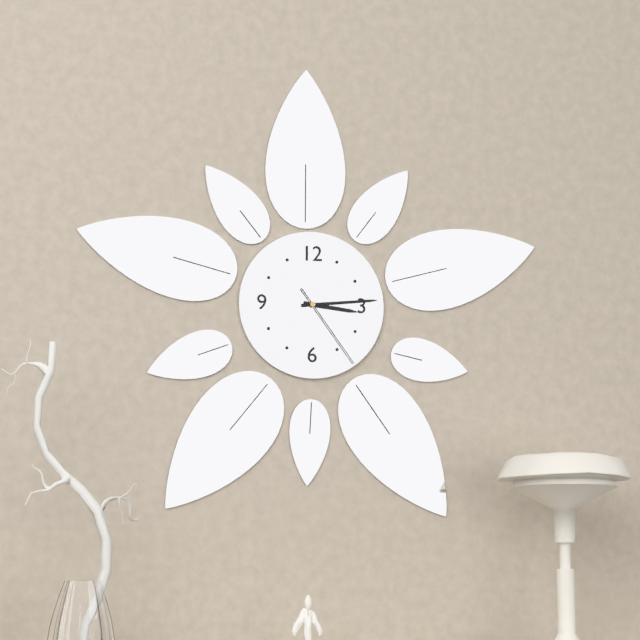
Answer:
3.14.24
